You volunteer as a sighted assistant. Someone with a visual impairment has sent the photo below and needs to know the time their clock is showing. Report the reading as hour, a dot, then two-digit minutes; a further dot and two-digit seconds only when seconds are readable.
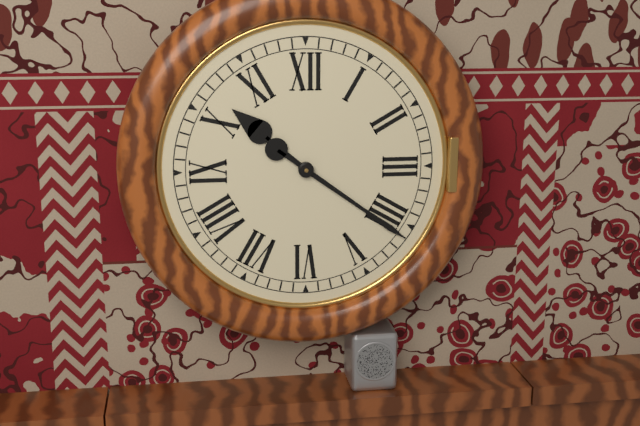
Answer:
10.21
